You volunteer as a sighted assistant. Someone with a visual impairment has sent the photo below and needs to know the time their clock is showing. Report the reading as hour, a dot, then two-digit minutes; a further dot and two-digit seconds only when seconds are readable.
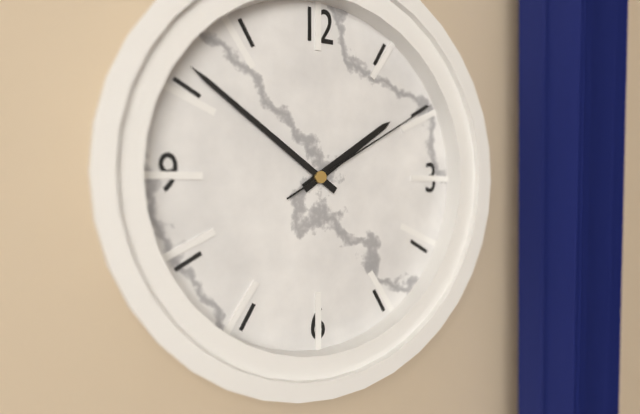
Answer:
1.51.10
